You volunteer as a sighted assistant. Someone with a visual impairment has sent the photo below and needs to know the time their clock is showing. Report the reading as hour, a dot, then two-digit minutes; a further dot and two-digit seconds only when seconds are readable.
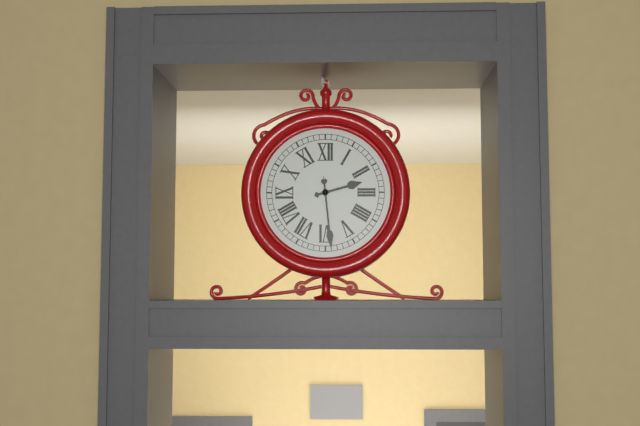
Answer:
2.29
